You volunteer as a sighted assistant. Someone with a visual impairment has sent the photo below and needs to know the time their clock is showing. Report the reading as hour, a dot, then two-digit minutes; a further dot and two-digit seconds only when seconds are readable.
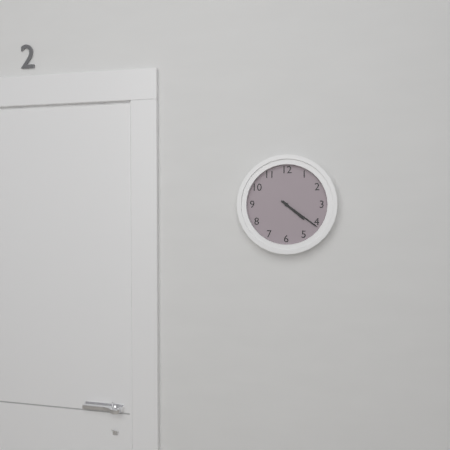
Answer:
4.21
